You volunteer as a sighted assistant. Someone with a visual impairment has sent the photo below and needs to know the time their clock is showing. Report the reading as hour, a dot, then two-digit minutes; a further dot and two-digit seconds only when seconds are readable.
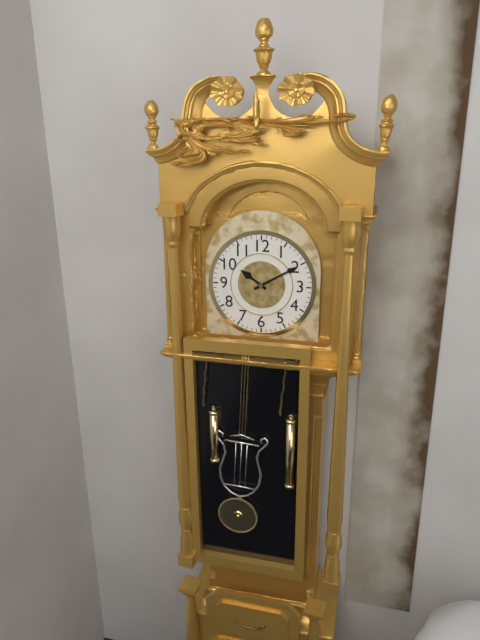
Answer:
10.10
